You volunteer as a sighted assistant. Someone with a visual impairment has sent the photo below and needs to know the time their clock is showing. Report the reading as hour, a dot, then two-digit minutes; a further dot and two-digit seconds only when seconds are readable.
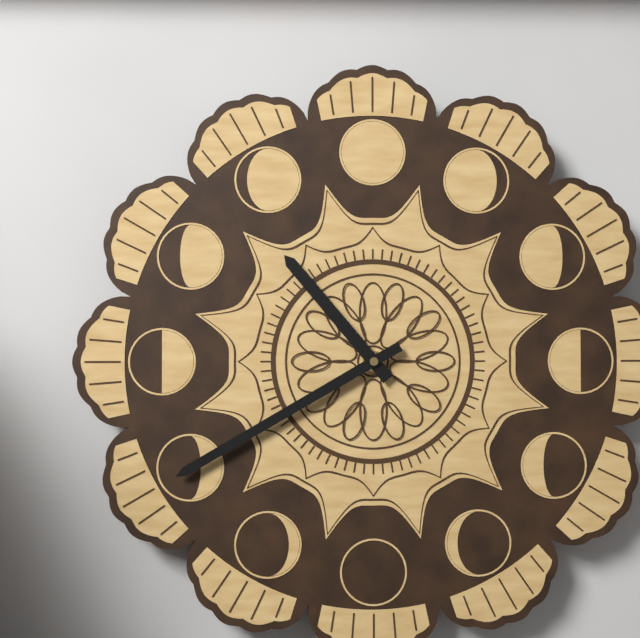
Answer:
10.40
